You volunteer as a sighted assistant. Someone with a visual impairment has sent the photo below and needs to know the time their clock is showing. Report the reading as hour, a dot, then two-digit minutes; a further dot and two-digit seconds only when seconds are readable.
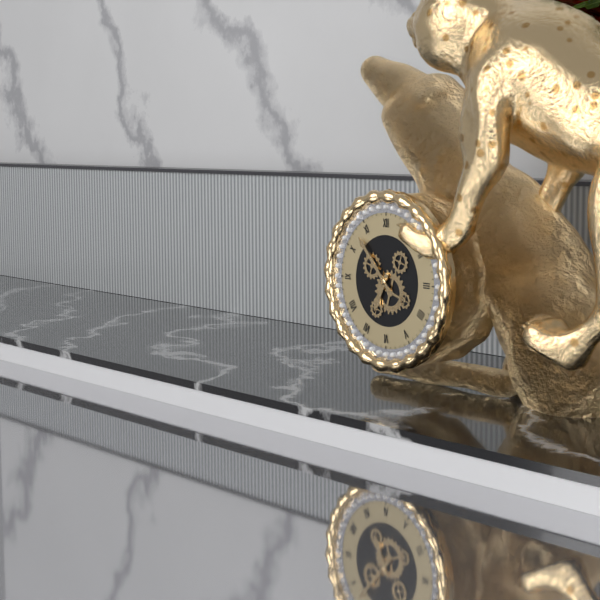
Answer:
6.53
